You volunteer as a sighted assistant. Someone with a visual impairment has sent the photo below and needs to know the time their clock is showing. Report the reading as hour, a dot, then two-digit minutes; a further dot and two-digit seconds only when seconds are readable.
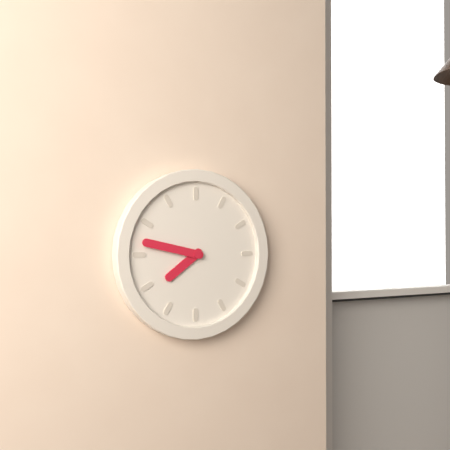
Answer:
7.47
